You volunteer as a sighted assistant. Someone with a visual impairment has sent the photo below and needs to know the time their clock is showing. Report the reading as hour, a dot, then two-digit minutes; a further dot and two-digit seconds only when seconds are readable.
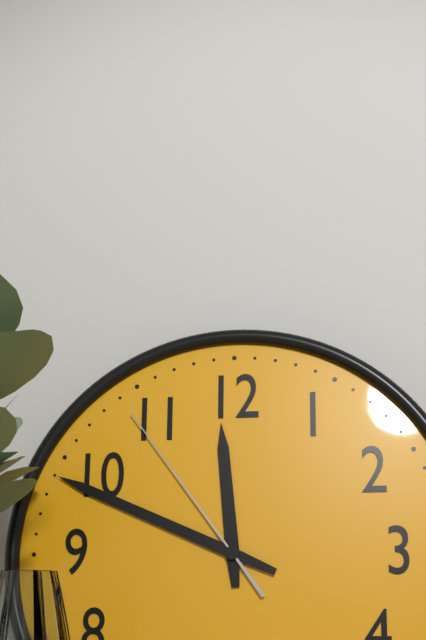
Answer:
11.49.54
